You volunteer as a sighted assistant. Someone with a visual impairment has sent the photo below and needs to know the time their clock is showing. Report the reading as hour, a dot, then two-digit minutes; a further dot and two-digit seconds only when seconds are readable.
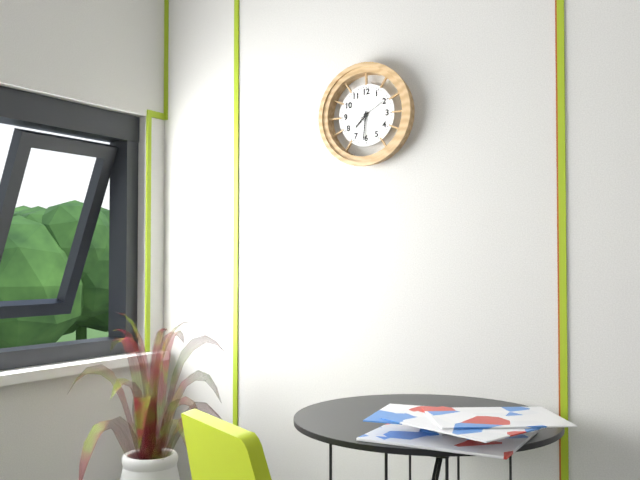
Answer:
7.31
